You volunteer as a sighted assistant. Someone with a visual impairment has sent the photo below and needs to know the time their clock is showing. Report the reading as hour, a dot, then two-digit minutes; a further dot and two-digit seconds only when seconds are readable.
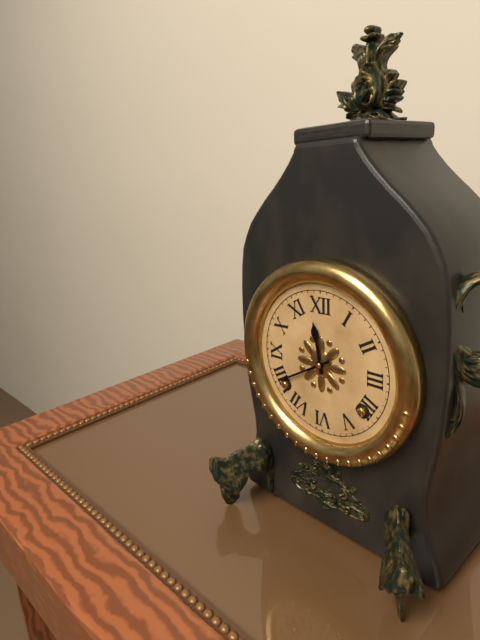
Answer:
11.40
